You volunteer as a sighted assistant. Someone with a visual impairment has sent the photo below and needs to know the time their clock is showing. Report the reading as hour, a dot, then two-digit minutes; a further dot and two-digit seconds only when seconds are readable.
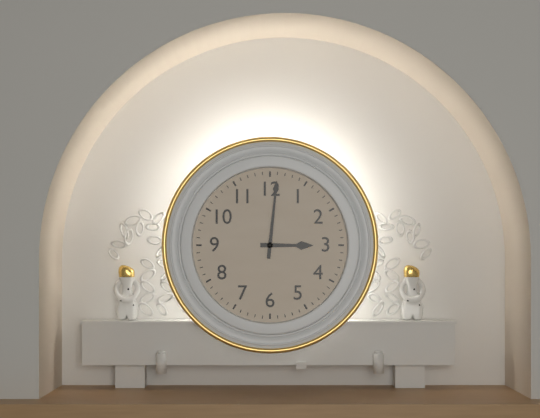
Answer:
3.01
